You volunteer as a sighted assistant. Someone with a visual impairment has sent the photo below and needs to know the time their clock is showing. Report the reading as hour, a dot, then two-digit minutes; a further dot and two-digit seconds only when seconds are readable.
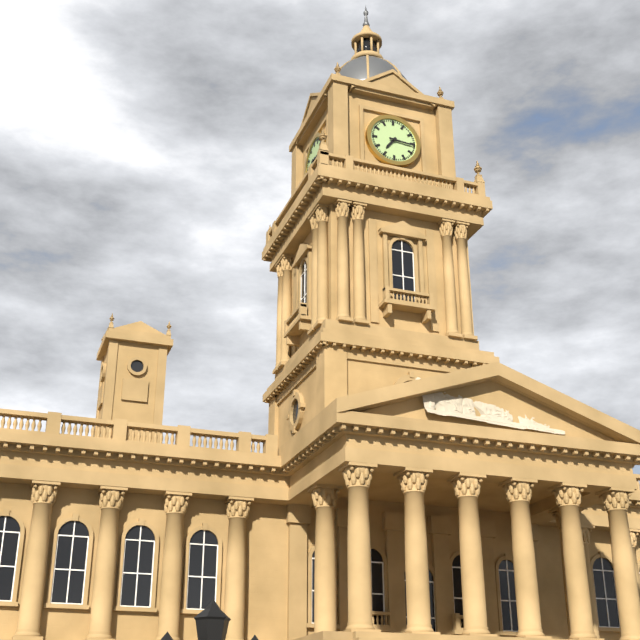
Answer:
7.16
